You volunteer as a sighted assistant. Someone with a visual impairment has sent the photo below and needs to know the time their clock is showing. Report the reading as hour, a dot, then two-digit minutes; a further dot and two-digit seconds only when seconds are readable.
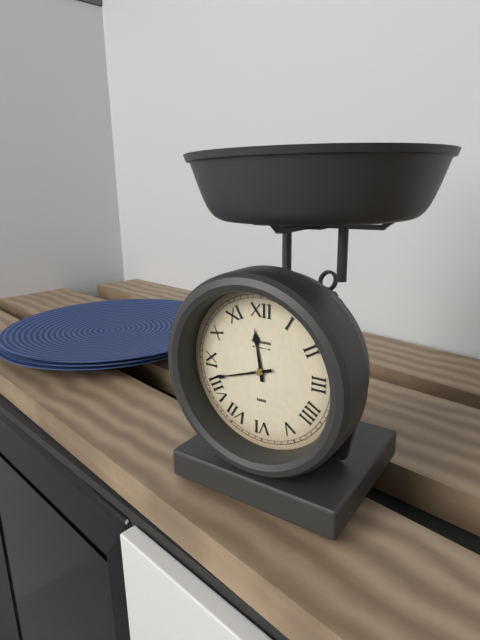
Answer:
11.42
